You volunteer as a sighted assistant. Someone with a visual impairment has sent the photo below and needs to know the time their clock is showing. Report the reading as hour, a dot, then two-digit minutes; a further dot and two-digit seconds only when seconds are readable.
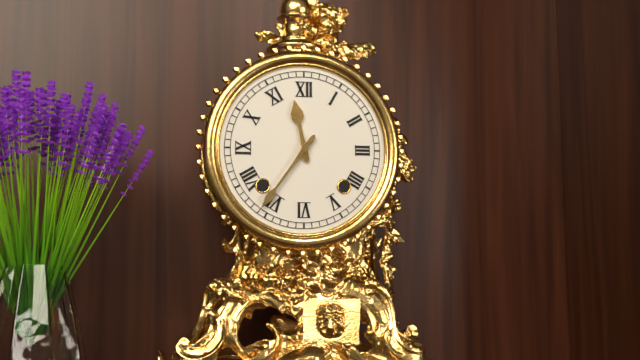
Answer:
11.36
